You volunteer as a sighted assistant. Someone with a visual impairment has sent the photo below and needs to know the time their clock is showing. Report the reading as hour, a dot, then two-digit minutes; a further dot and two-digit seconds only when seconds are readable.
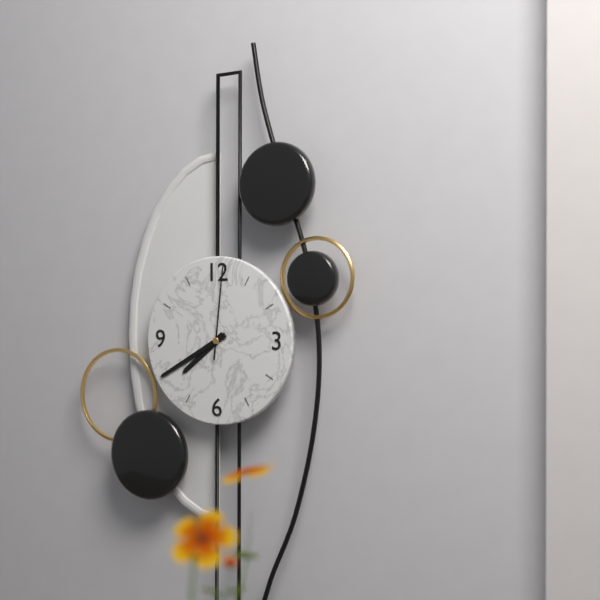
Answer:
7.40.01
